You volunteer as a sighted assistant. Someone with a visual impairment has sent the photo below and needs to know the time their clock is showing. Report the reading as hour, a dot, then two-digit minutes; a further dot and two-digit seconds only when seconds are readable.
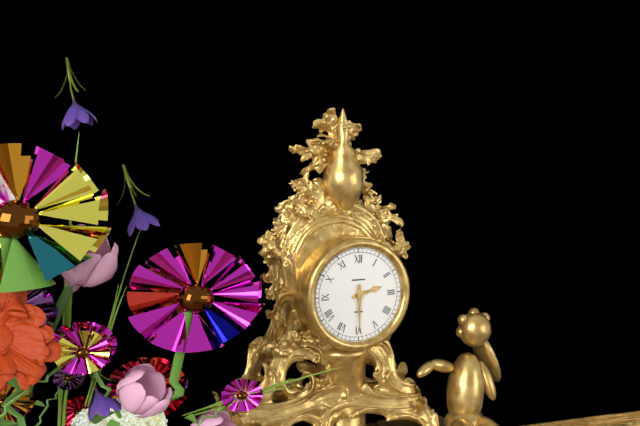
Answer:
2.30
